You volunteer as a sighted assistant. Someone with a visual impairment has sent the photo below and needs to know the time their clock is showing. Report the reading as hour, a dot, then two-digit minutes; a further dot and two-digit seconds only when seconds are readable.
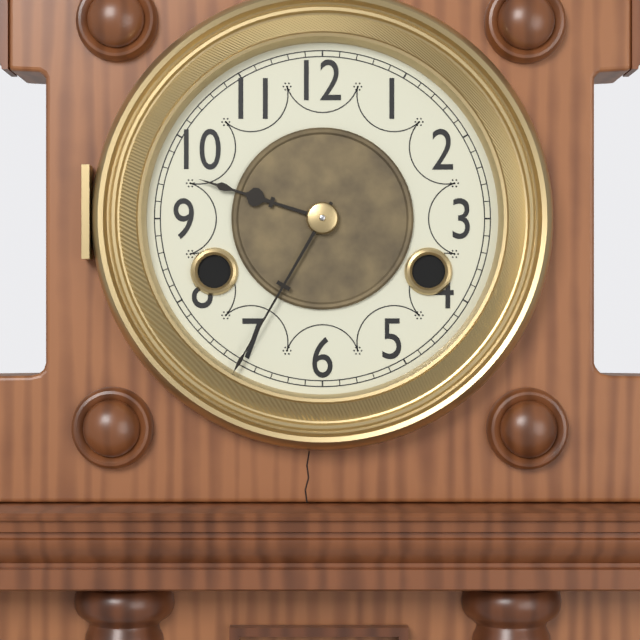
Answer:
9.35
